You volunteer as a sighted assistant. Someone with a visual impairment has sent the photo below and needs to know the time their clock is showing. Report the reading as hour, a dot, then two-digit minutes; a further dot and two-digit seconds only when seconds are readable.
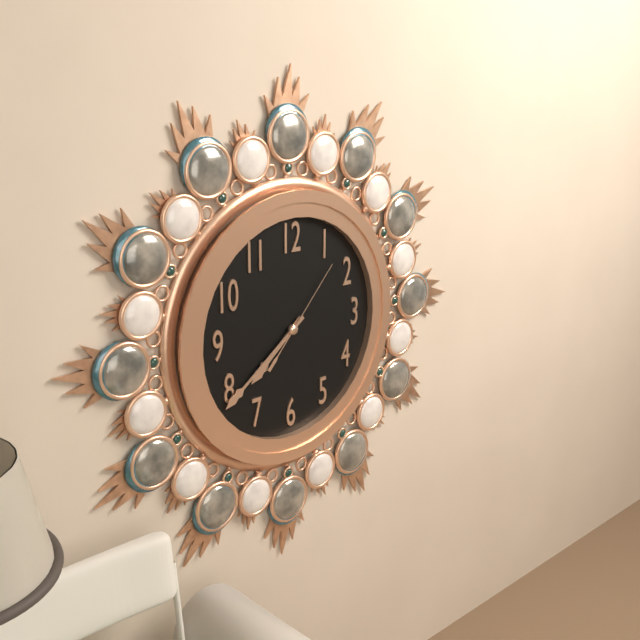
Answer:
7.39.07
